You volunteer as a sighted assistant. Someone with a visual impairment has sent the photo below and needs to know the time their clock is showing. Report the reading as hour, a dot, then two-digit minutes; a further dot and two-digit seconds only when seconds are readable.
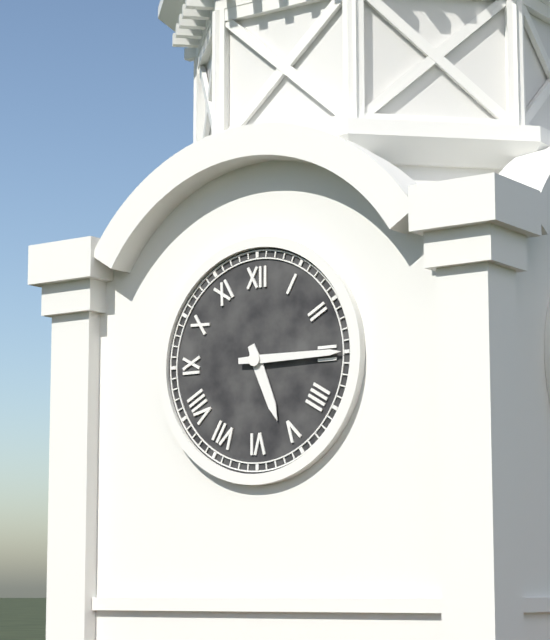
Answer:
5.15
